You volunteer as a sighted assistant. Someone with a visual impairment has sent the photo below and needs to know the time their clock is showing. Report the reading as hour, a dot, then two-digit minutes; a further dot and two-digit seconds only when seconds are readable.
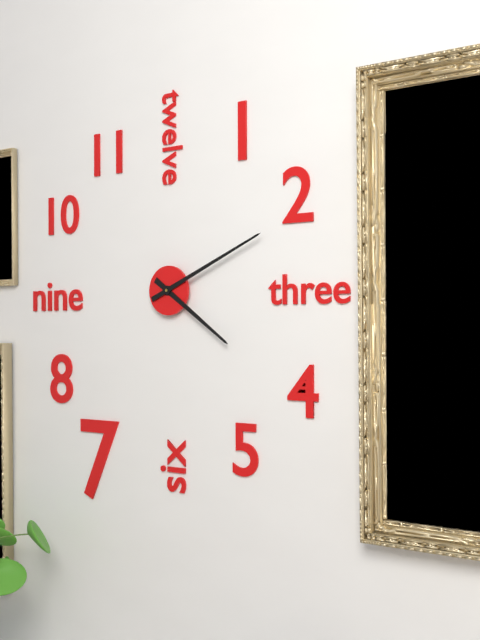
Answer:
4.11
